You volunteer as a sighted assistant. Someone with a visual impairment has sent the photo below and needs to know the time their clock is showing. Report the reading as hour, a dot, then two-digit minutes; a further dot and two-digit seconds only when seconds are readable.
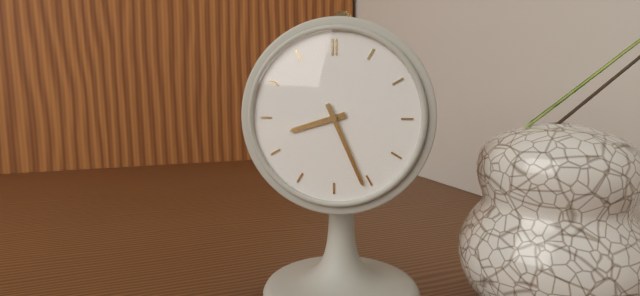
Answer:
8.26
